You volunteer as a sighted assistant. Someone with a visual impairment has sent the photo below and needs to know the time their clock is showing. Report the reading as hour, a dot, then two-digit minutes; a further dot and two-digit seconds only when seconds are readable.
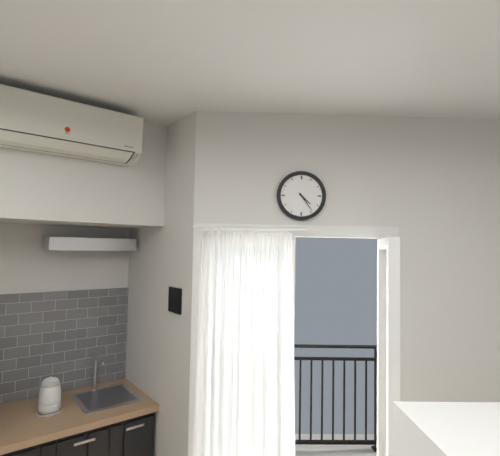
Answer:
4.24
